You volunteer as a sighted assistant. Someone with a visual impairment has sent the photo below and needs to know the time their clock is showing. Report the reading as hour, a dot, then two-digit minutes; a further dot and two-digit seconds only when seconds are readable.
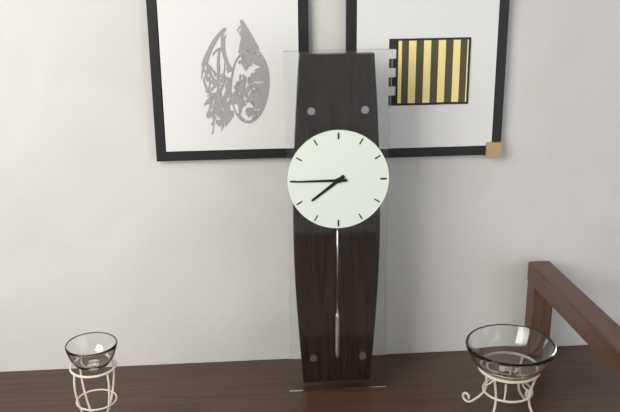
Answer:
7.45
